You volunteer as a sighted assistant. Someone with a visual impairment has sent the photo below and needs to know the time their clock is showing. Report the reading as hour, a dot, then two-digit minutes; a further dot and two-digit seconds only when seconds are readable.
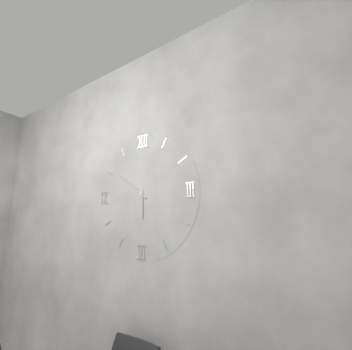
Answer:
5.51
